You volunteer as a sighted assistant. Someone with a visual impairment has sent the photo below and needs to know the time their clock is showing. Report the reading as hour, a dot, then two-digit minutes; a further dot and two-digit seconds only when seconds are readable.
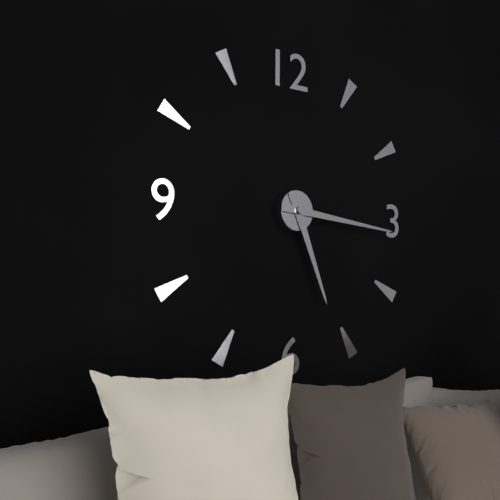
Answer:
5.16
